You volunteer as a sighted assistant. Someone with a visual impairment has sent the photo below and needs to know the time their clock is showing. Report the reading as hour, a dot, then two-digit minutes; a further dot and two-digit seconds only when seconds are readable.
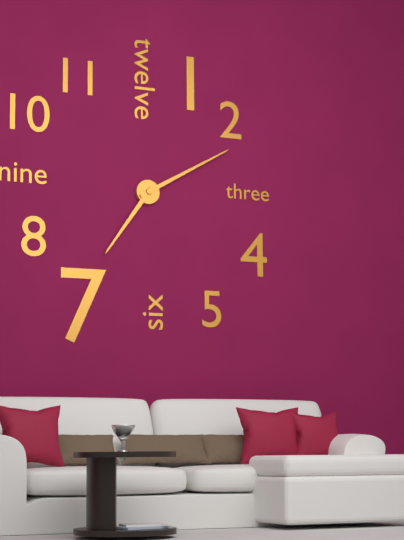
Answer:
7.10
